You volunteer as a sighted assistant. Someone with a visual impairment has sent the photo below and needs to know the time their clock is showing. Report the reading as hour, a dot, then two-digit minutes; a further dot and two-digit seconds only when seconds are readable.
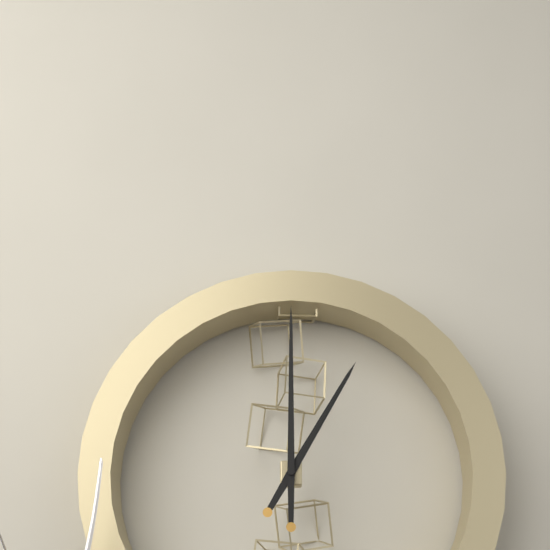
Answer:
1.00
